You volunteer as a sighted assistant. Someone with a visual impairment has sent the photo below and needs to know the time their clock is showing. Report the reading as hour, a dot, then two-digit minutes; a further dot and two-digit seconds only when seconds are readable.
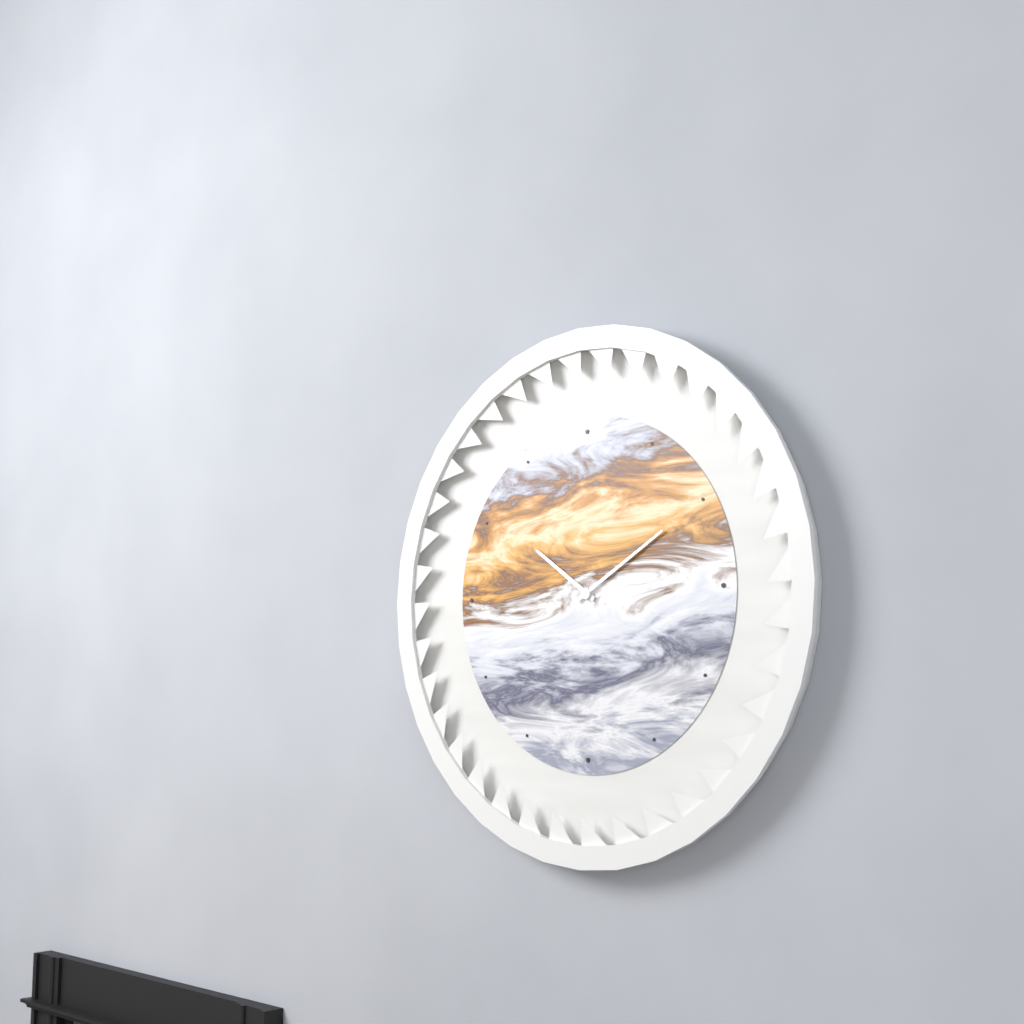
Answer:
10.10
